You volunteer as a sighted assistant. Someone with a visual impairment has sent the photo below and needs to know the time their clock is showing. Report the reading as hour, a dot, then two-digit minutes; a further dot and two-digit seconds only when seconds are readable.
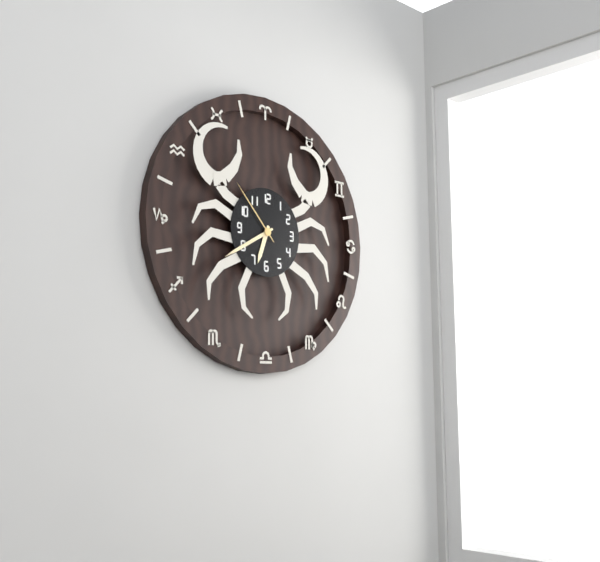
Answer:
6.40.53
